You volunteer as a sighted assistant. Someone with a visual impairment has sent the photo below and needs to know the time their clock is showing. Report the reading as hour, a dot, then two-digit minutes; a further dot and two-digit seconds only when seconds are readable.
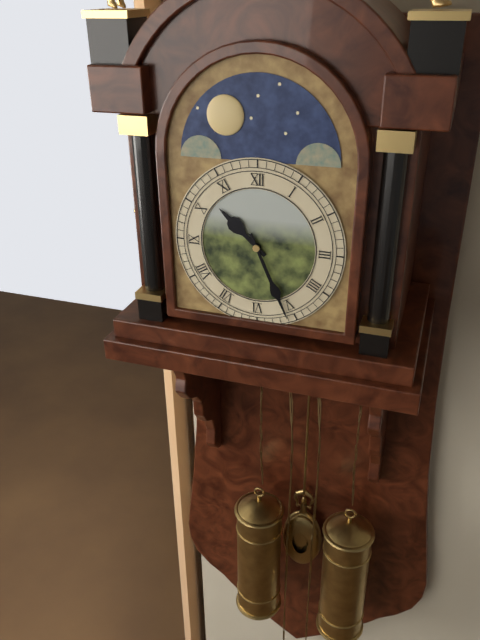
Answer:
10.26
